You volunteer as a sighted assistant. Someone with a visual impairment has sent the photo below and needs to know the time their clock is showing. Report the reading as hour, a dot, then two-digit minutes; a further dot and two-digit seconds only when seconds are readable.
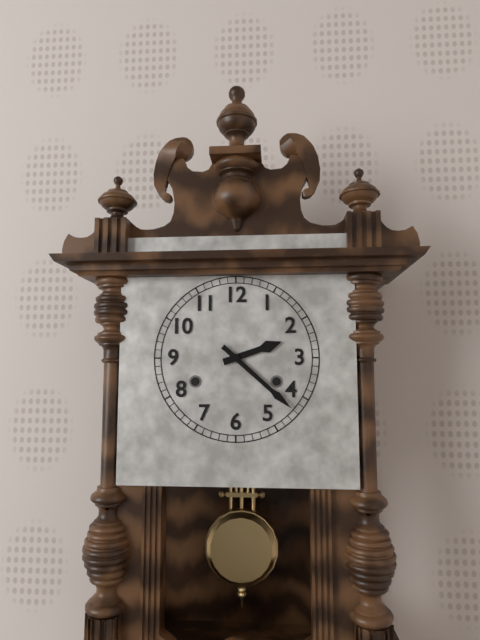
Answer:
2.22
